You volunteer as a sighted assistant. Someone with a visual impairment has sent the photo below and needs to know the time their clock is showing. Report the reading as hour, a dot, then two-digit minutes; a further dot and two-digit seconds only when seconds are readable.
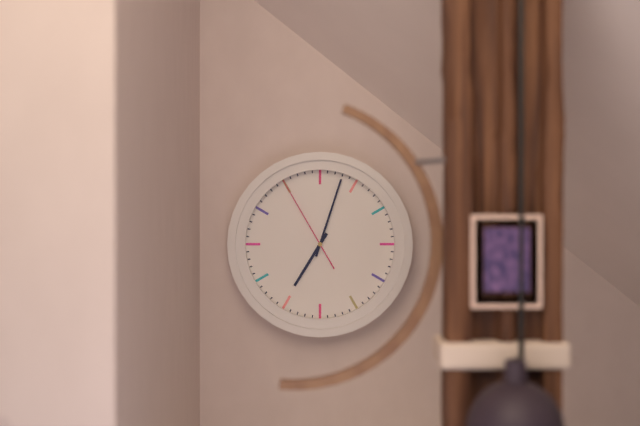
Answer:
7.03.55
